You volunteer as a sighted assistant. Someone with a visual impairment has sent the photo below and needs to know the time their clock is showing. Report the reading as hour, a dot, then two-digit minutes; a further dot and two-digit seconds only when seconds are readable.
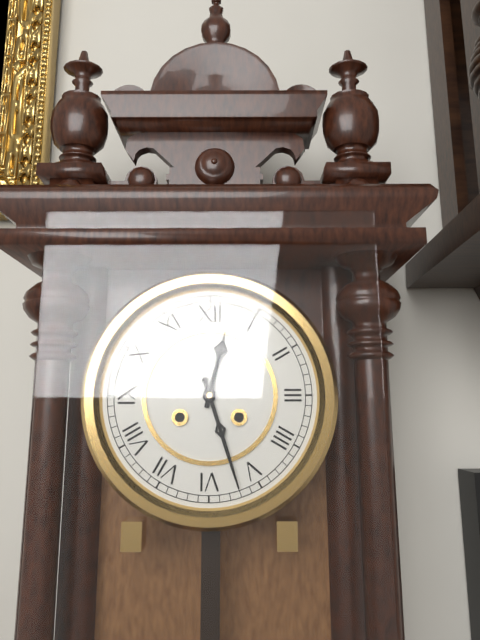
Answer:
12.27
